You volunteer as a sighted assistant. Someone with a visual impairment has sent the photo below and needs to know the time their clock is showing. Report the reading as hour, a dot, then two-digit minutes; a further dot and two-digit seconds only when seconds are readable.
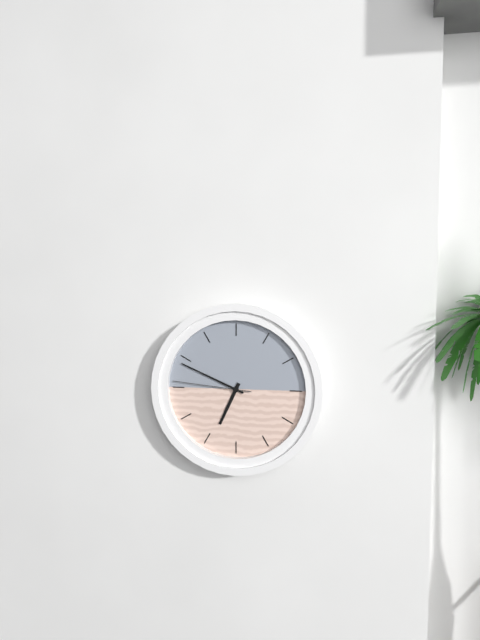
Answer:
6.49.46
